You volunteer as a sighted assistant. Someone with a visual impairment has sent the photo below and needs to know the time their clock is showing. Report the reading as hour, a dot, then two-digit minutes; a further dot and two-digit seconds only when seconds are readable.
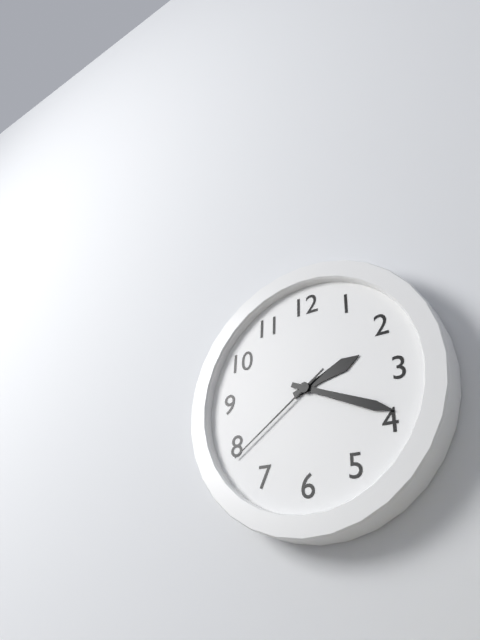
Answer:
2.19.39
